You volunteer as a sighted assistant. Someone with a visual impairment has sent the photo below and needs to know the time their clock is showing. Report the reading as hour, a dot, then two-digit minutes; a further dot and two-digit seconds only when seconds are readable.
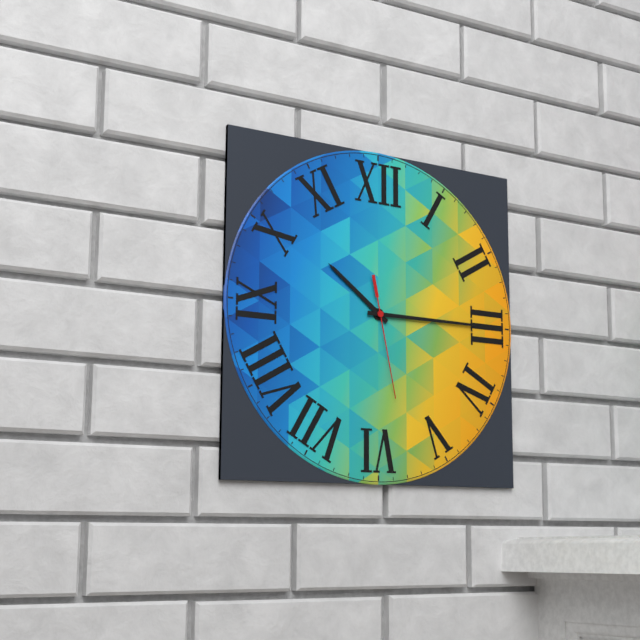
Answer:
10.15.28
